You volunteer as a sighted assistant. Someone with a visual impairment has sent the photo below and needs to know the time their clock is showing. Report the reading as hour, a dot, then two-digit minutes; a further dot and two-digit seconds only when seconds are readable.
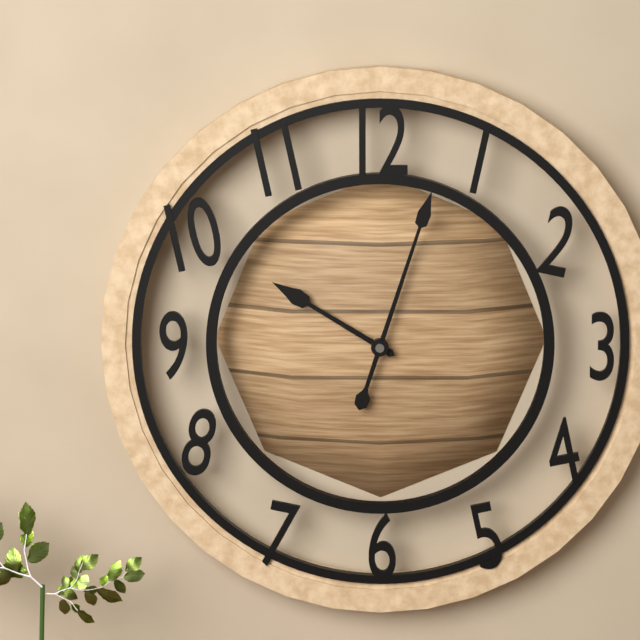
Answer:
10.03
